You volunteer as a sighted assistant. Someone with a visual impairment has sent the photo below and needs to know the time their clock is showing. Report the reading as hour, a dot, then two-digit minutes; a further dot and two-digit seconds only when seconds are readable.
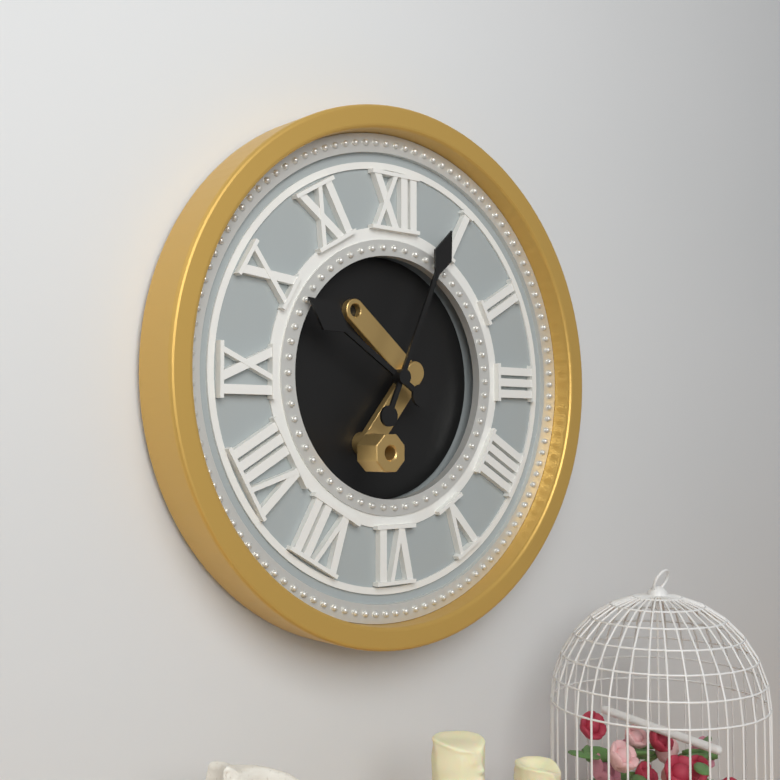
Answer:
10.04
